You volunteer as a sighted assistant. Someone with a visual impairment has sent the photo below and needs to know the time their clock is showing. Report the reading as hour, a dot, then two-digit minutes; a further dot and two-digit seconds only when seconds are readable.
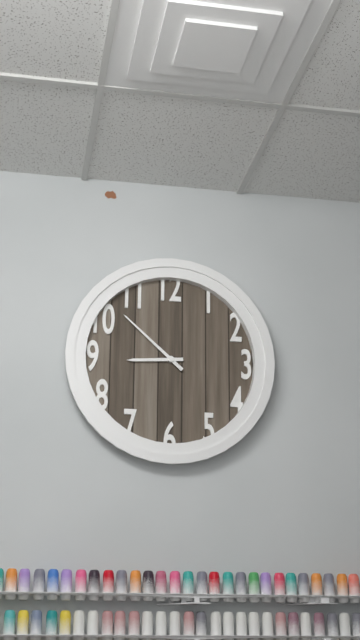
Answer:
8.52
